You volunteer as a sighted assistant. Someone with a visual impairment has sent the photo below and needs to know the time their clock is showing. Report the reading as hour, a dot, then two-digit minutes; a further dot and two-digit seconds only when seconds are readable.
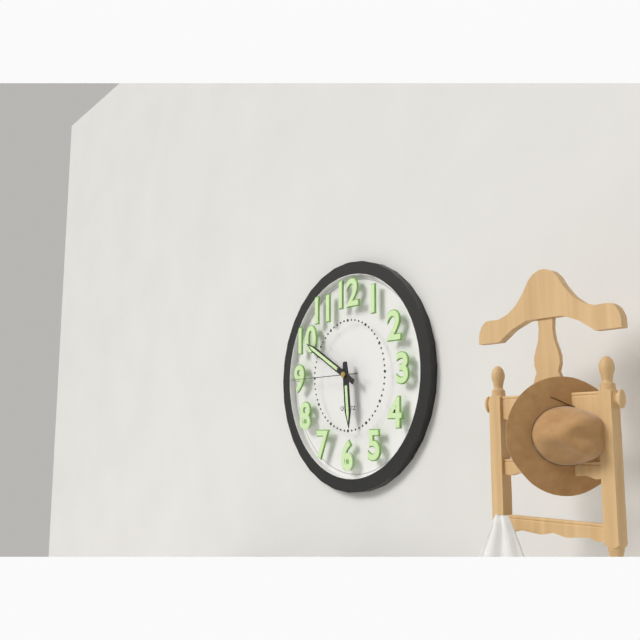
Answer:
5.50.45
